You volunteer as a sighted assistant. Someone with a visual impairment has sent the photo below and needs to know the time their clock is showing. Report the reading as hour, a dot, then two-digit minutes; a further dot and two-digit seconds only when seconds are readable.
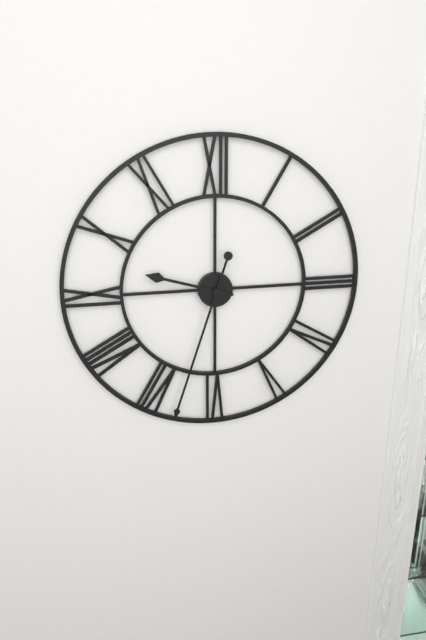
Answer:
9.33
